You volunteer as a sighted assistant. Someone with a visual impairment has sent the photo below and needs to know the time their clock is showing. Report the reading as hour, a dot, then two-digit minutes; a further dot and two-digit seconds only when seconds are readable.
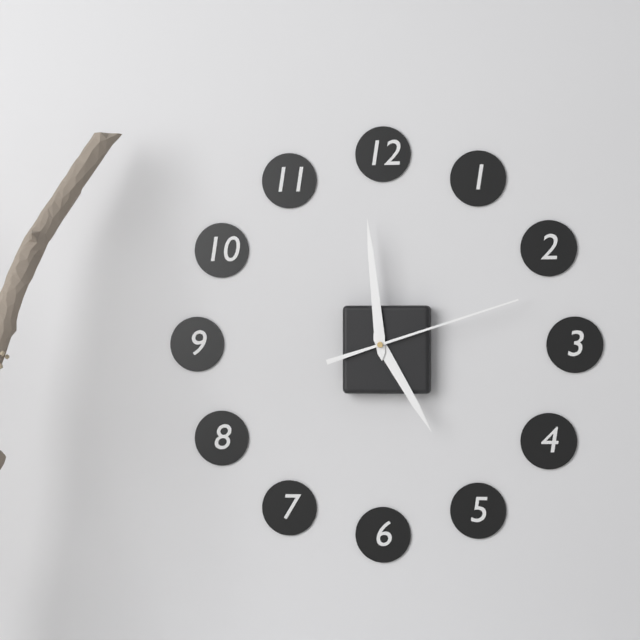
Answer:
4.59.12
